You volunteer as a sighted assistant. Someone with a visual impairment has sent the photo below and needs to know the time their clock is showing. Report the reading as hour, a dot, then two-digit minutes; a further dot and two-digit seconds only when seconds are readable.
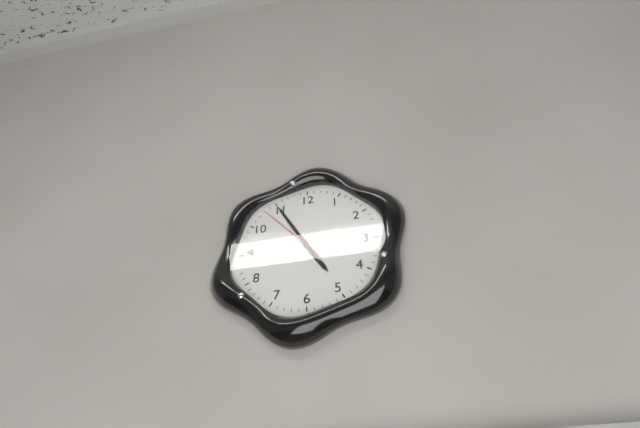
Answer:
4.55.53
